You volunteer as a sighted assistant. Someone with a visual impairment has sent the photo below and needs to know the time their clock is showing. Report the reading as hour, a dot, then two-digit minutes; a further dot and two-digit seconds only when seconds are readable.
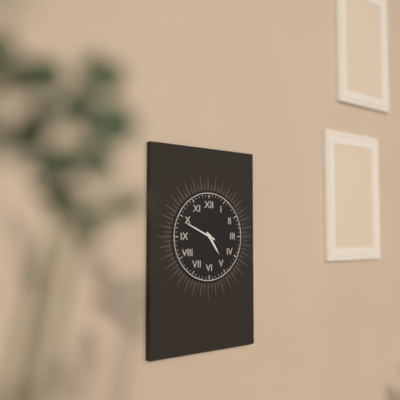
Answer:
4.49
